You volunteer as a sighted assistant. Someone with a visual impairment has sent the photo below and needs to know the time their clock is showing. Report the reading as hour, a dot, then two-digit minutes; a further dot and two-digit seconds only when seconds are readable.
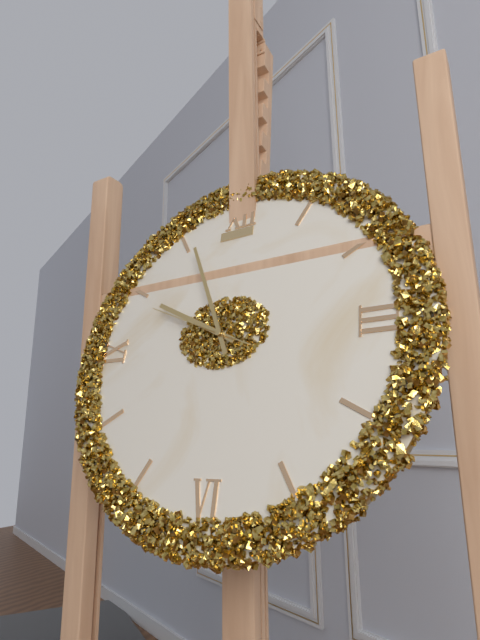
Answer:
9.56.49
